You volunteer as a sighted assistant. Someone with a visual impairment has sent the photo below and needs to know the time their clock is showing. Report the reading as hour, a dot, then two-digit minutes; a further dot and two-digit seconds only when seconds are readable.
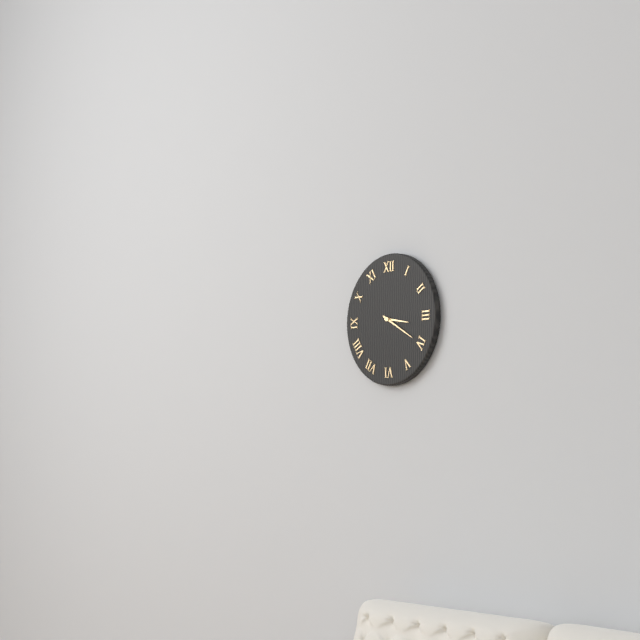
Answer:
3.20
